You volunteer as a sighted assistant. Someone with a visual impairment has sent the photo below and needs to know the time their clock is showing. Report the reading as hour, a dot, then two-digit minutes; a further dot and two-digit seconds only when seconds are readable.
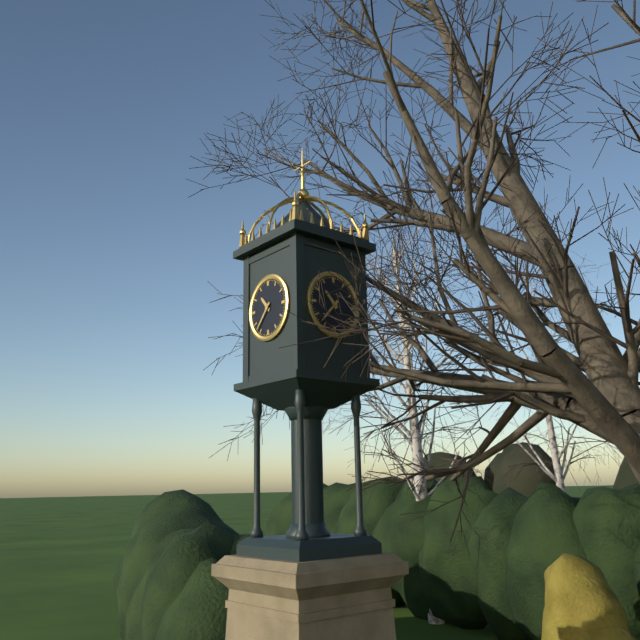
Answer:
10.37
